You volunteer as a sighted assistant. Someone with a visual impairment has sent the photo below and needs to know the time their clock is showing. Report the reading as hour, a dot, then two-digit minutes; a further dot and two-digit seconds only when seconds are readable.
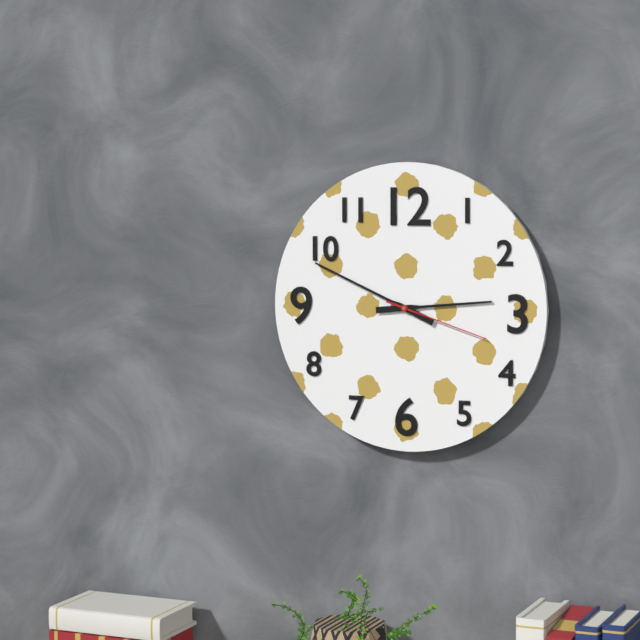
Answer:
2.49.18
